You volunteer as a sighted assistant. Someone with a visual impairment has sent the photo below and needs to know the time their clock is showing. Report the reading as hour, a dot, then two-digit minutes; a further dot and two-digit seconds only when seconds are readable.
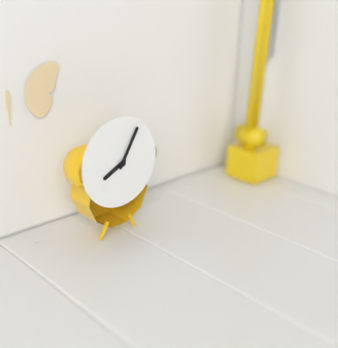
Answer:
8.05
